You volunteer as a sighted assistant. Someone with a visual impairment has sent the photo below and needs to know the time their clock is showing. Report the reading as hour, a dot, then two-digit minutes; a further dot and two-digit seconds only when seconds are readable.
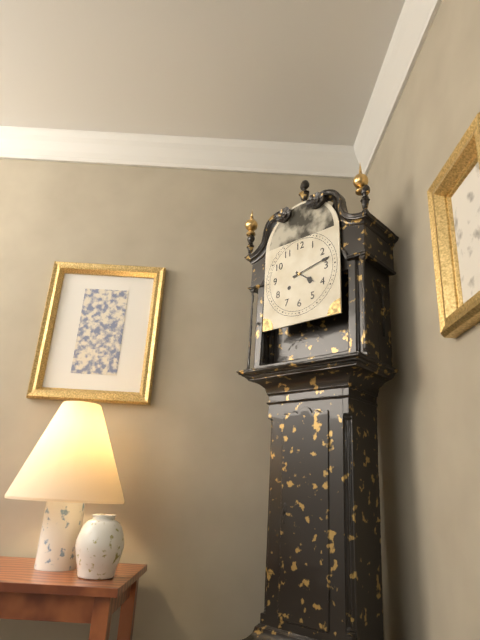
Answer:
4.13
